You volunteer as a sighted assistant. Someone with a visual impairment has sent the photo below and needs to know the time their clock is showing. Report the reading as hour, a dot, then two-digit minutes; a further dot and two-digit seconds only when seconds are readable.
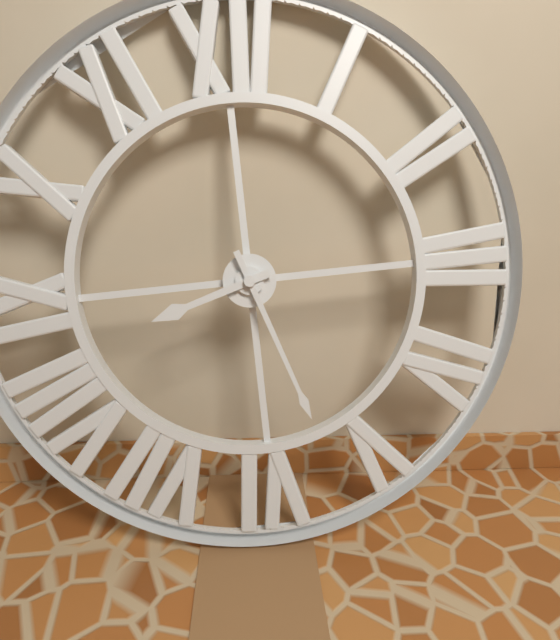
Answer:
8.27
